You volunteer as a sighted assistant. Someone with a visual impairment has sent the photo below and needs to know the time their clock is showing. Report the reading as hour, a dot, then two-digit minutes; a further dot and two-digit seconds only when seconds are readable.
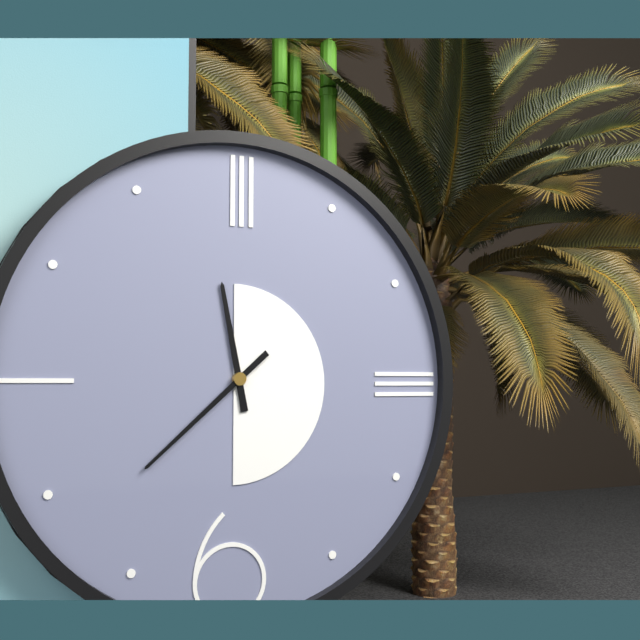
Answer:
11.38
